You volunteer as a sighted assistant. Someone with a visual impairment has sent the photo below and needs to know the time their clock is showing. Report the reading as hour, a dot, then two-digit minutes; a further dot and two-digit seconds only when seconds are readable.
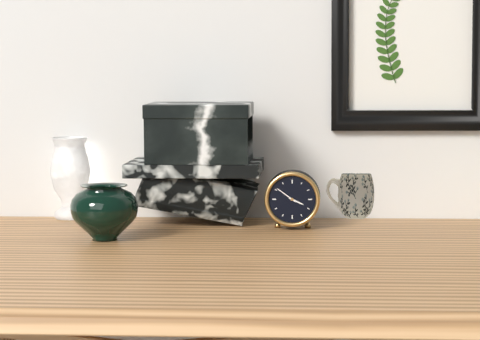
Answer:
3.51
